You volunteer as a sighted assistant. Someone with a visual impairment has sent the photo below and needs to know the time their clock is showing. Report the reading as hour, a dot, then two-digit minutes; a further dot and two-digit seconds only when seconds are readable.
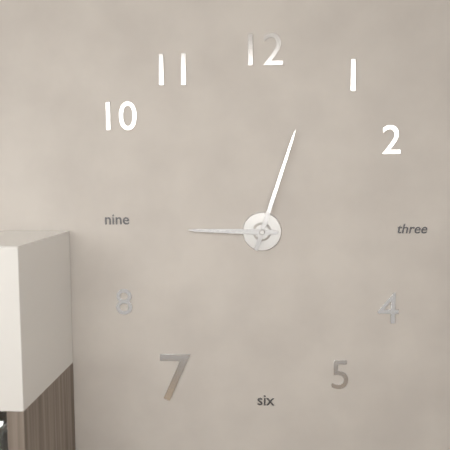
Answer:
9.03
